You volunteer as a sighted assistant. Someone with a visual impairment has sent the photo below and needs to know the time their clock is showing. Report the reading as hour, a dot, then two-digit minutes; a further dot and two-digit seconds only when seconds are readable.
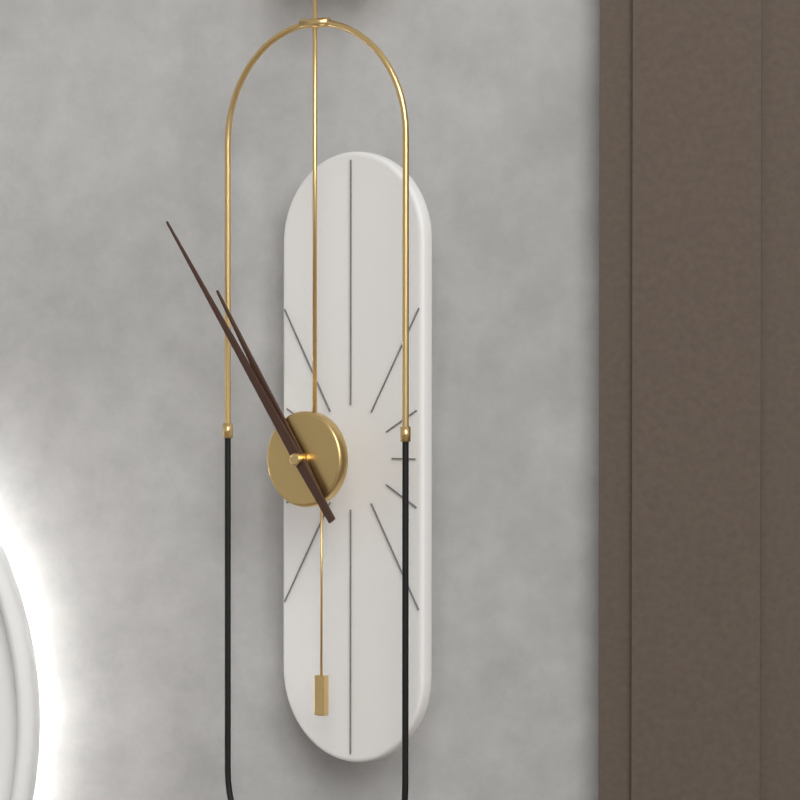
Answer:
10.54
